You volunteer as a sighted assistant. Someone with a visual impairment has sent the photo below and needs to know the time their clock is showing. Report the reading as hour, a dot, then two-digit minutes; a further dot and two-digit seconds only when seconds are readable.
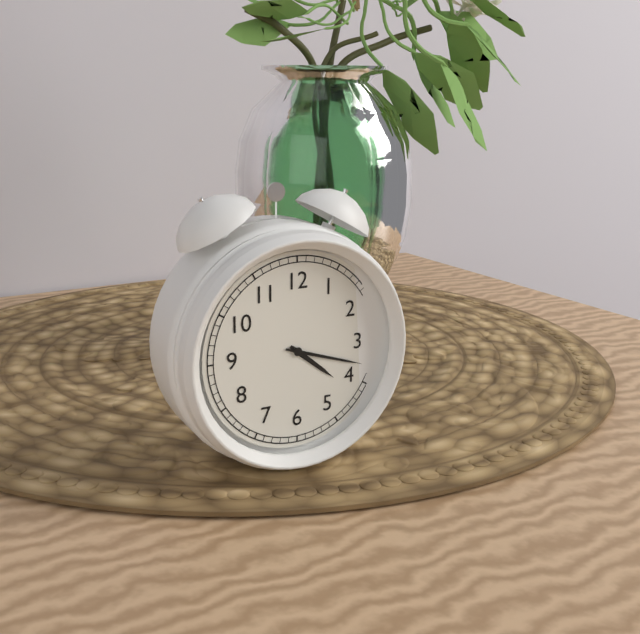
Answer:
4.18
